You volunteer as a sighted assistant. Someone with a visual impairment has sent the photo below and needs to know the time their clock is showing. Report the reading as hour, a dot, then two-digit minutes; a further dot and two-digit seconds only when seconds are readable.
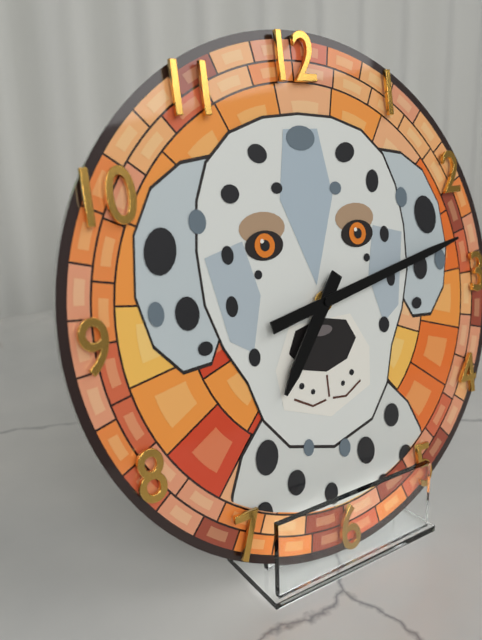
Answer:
7.13
